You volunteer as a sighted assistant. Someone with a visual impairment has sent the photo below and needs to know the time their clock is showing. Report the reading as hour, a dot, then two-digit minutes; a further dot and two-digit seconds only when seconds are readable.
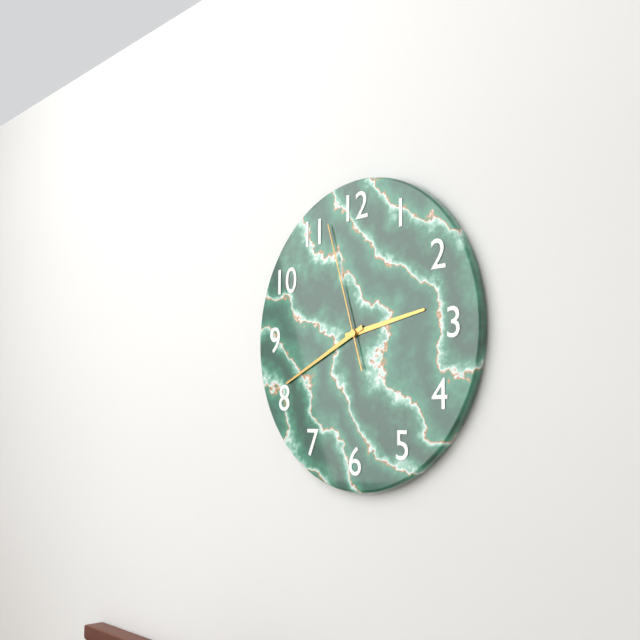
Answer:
2.41.57
